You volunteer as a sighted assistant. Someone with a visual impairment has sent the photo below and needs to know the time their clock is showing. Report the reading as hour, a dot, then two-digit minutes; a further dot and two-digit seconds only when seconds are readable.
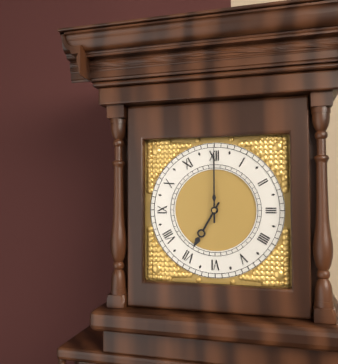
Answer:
7.00
